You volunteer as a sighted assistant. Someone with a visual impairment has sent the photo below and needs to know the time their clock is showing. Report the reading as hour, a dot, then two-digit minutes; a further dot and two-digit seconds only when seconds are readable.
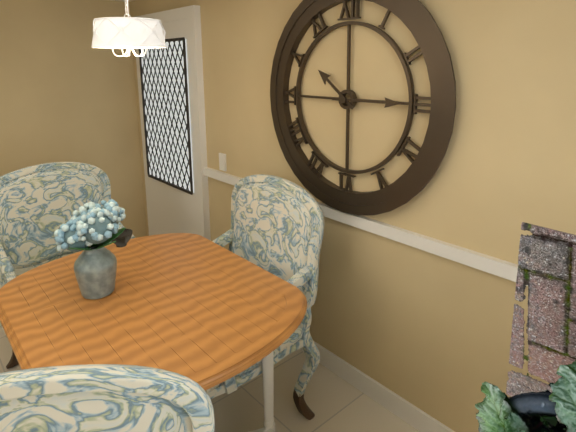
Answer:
10.15
